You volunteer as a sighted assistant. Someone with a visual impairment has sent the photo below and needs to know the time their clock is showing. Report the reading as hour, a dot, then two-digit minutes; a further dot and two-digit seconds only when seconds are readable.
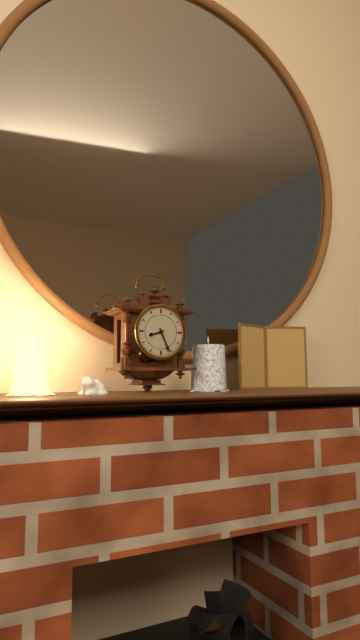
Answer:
8.26
